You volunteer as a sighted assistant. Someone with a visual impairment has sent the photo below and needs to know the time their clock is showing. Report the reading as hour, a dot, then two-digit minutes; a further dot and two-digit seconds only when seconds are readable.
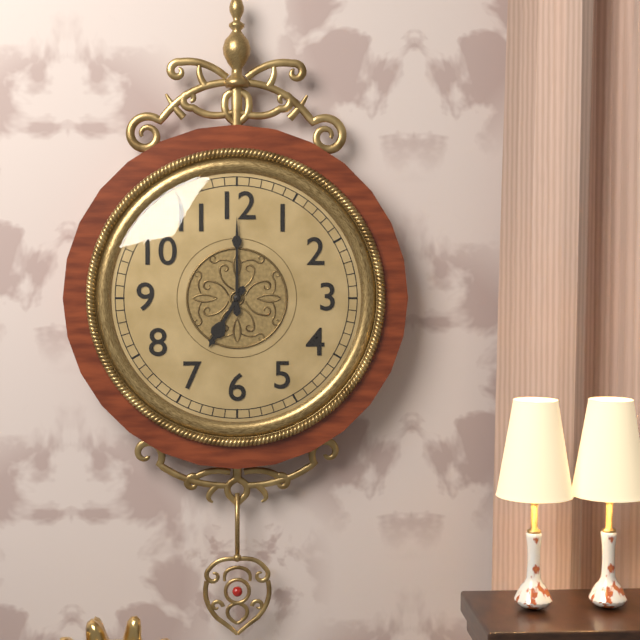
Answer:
7.00
